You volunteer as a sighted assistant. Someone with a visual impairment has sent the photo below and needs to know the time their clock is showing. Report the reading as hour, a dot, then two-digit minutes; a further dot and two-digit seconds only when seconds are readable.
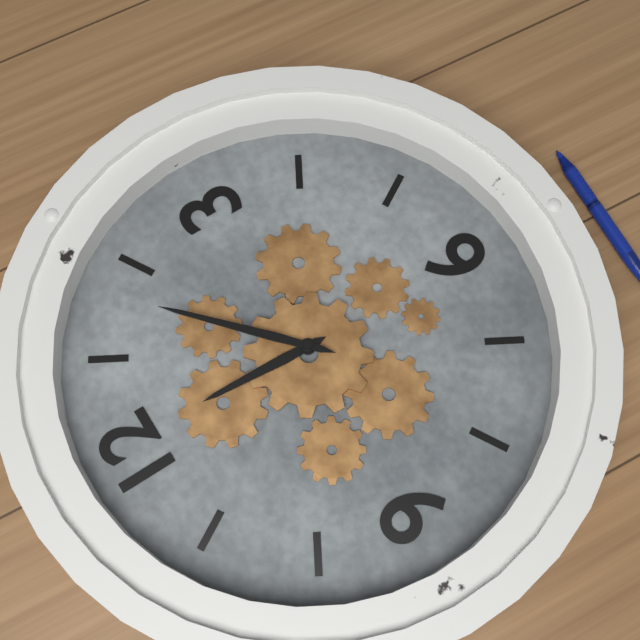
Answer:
12.08
